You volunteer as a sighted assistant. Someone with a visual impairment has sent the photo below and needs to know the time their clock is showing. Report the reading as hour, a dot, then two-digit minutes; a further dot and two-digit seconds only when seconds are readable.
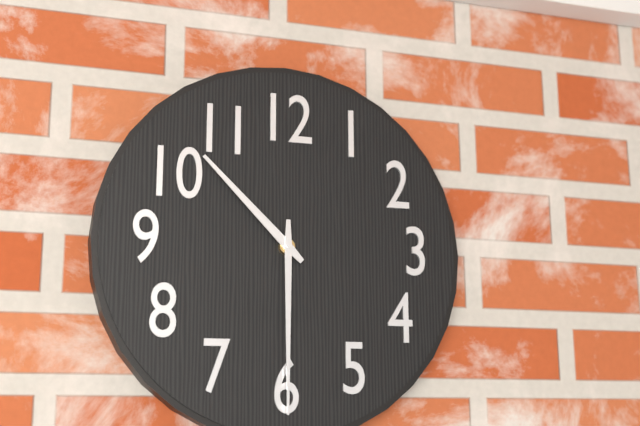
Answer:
10.30
